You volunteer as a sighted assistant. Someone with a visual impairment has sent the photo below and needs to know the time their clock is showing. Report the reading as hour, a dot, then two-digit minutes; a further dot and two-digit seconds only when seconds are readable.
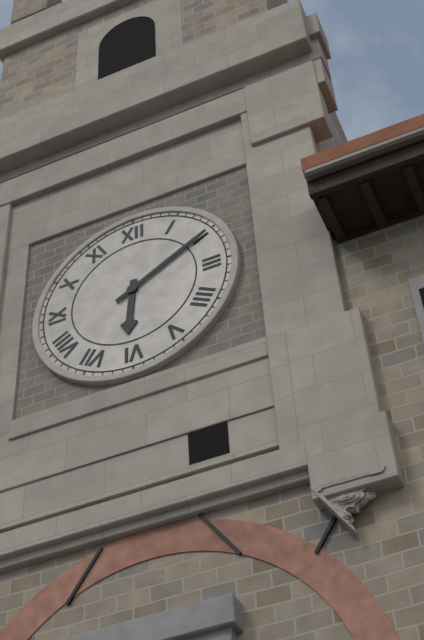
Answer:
6.10
